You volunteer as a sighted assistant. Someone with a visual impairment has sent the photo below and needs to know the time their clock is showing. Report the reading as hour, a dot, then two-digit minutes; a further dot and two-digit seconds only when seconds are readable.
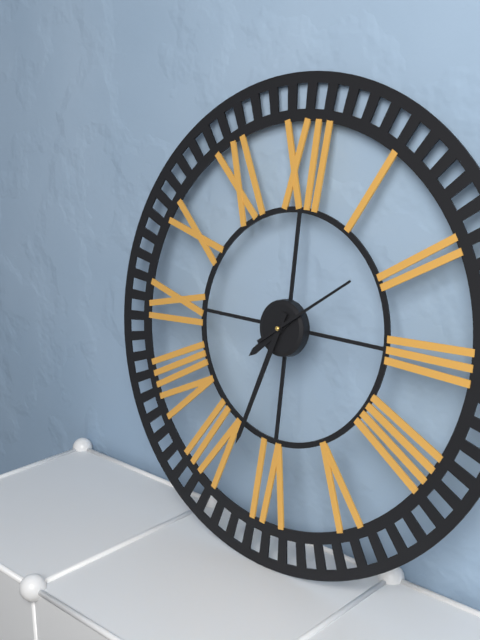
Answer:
7.33.09
